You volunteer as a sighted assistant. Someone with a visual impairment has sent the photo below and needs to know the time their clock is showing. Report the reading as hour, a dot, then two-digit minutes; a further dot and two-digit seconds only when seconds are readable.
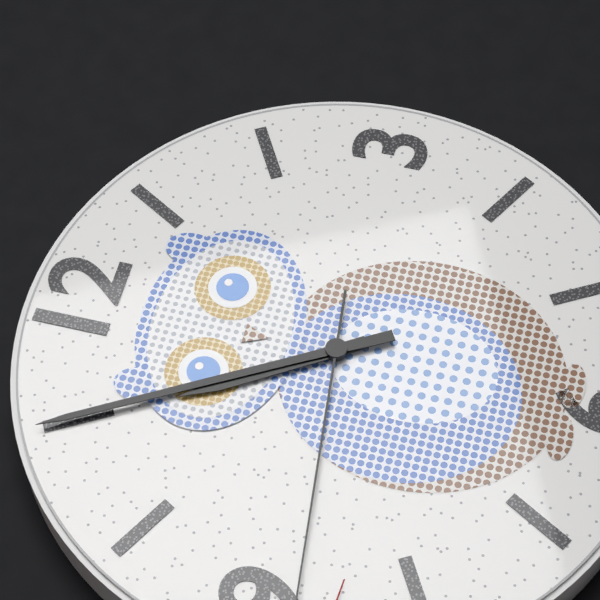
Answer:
10.55
